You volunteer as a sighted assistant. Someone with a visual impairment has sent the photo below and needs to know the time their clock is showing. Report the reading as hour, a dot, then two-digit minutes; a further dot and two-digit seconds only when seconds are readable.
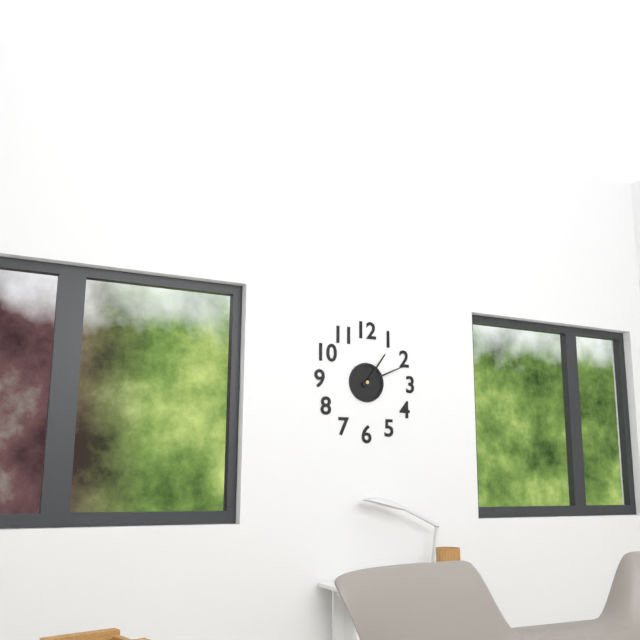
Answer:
1.11
